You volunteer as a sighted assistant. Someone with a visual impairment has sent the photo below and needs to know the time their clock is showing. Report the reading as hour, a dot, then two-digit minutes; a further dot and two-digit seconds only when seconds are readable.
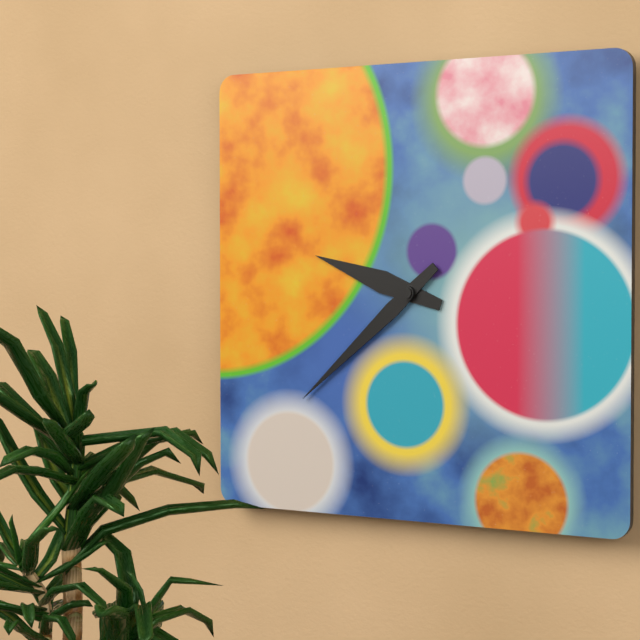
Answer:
9.38
